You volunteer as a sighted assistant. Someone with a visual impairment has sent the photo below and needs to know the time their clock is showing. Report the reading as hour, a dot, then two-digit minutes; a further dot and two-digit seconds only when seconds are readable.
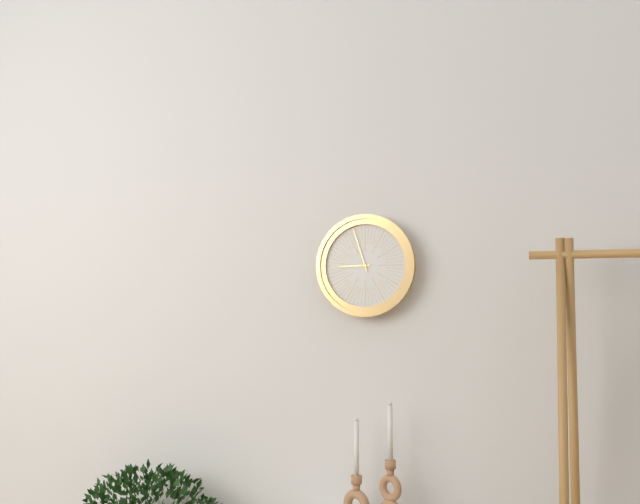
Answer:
8.57
